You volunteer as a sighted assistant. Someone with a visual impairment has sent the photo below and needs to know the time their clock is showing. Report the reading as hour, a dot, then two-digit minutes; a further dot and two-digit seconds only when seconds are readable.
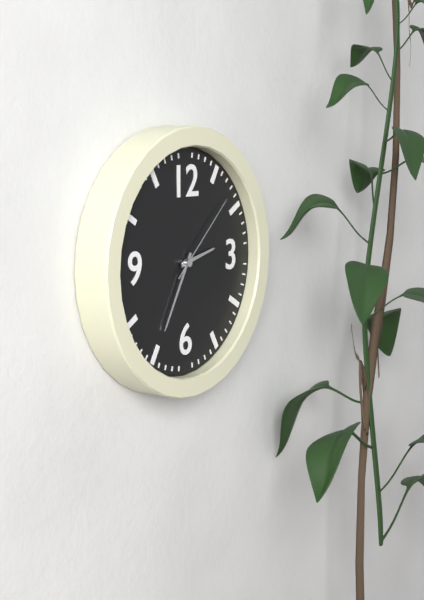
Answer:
2.35.08
